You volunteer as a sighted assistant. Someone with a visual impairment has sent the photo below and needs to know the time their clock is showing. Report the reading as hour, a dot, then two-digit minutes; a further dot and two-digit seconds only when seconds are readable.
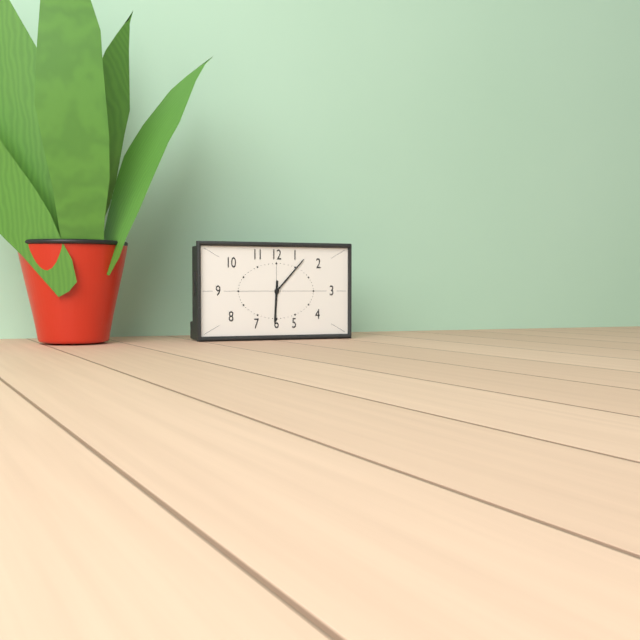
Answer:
6.07
